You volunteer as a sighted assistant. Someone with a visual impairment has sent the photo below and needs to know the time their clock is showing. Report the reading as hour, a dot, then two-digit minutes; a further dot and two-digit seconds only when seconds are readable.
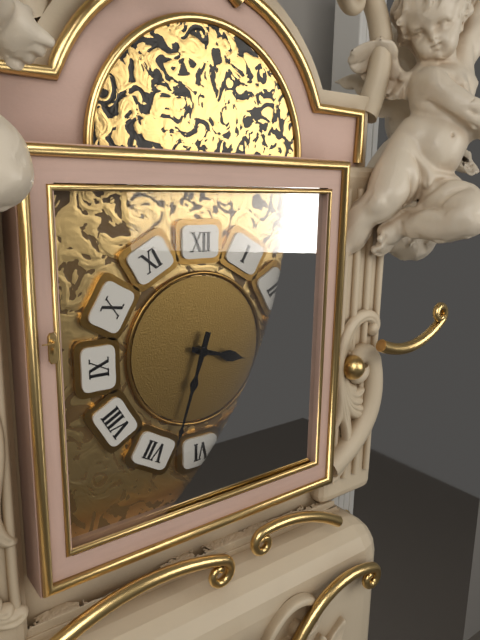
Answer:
3.33
